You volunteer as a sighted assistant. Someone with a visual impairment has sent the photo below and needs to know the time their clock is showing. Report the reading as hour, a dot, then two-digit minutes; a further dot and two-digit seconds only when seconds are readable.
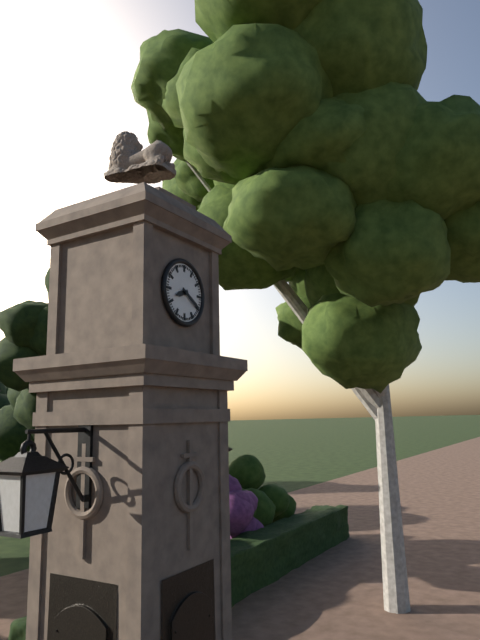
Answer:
8.20
